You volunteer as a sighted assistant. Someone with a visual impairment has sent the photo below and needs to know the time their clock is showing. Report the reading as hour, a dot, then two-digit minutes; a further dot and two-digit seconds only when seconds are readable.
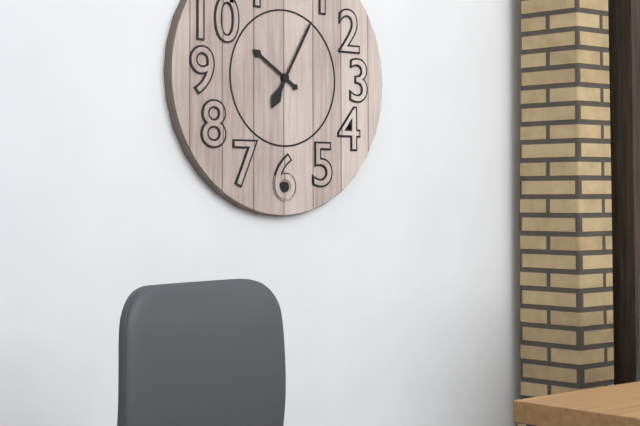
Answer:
10.05
